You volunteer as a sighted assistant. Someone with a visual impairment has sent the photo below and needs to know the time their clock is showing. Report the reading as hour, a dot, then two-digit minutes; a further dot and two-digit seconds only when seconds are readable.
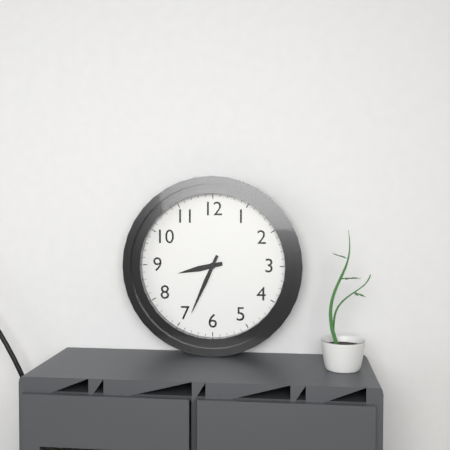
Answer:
8.34
